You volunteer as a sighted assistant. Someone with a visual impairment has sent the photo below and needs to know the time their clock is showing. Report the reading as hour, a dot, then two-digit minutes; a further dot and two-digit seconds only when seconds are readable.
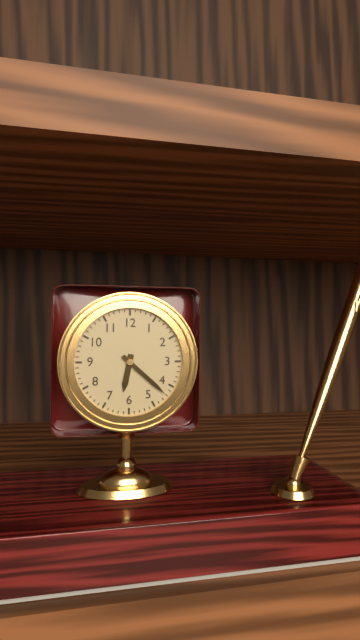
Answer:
6.22
